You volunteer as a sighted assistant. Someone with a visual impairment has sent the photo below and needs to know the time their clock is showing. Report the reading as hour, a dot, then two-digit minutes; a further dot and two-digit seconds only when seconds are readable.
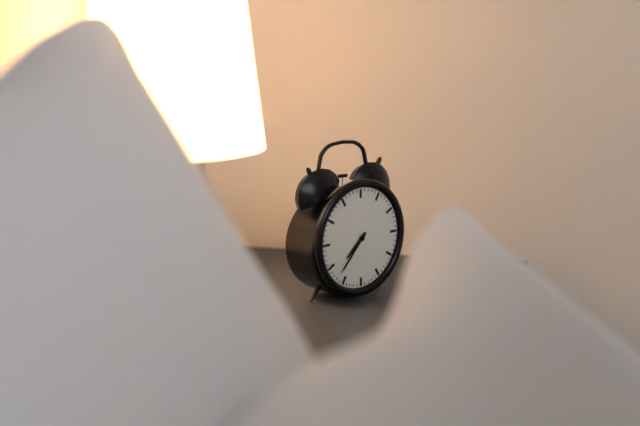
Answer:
7.37
